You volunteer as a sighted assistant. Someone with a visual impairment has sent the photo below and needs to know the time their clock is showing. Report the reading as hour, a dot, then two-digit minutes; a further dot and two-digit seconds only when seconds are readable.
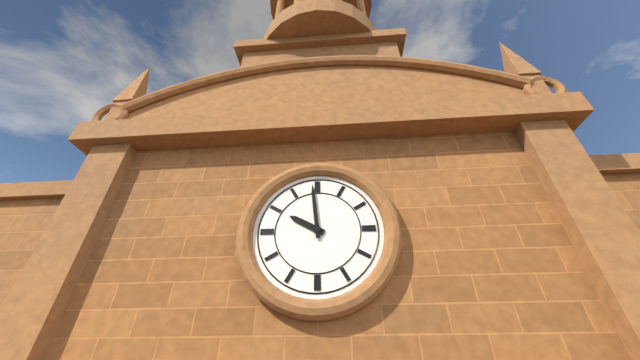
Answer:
9.59
